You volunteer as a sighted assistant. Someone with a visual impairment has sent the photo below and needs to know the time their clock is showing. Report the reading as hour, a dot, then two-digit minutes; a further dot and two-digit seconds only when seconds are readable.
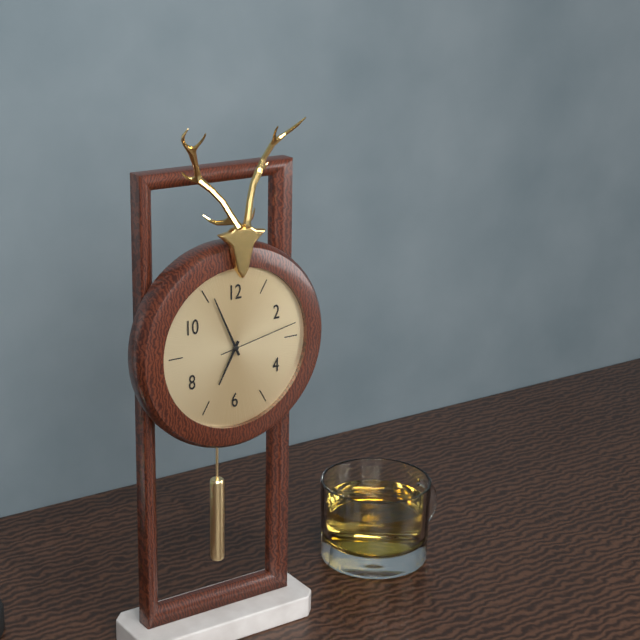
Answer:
6.56.13
